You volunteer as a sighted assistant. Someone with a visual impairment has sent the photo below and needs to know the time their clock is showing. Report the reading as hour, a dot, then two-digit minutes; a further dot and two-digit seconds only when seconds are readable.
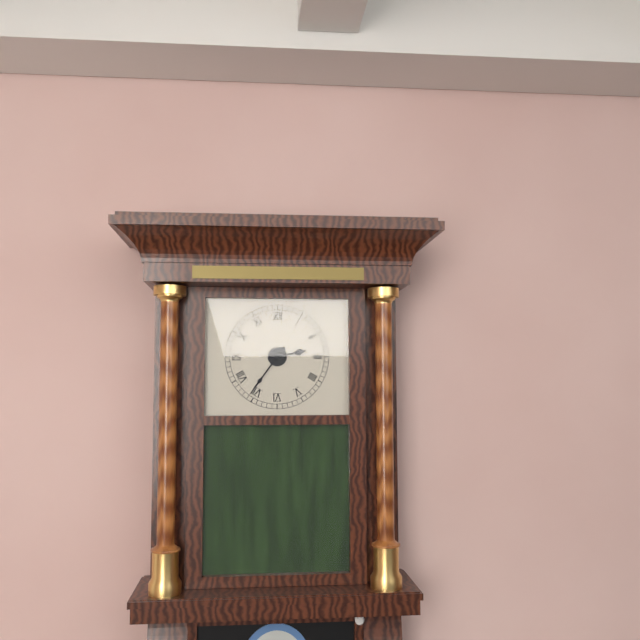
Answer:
2.36
